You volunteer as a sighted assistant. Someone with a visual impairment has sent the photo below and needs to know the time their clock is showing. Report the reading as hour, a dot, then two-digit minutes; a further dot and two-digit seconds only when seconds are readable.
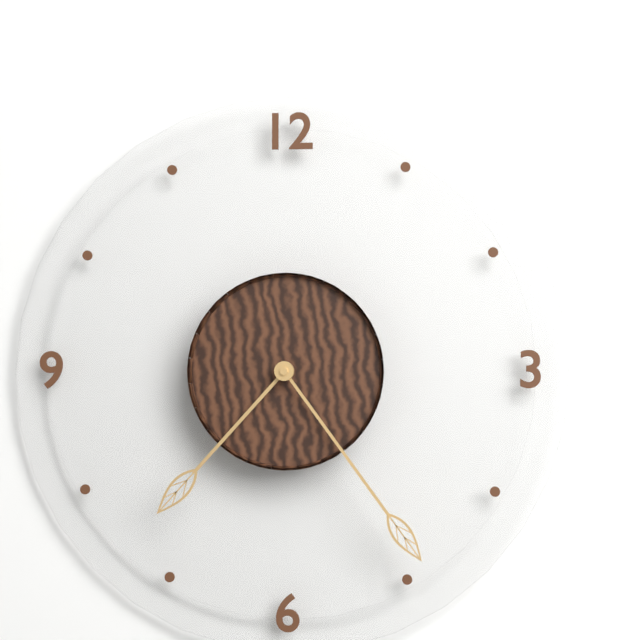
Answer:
7.24
